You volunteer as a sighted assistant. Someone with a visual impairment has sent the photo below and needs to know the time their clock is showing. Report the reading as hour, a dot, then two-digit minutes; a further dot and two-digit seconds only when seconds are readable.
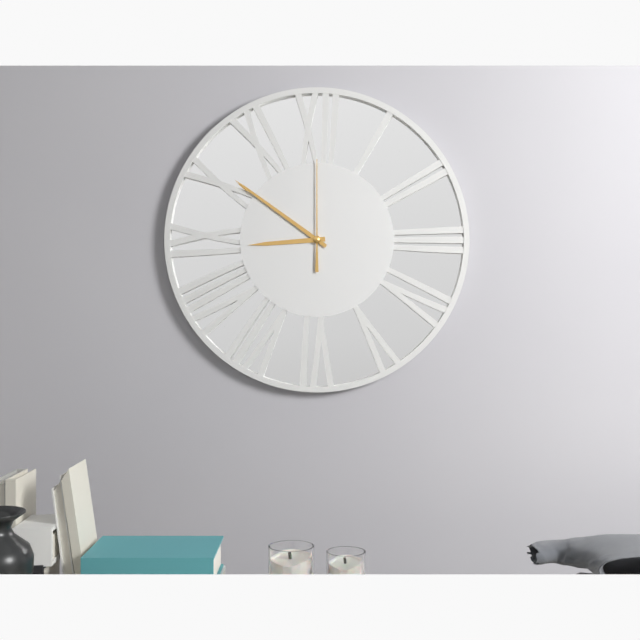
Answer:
8.51.00
